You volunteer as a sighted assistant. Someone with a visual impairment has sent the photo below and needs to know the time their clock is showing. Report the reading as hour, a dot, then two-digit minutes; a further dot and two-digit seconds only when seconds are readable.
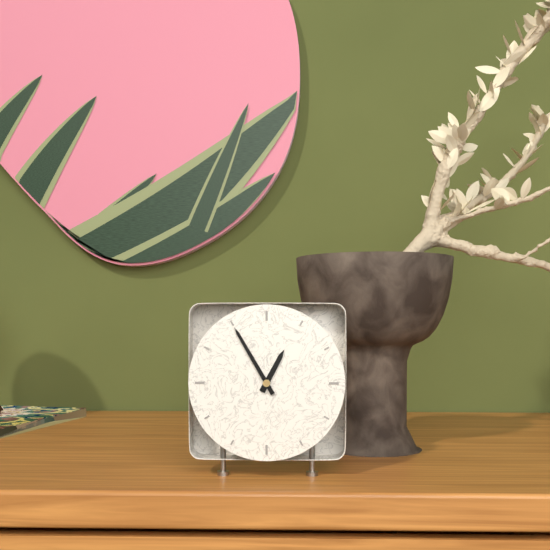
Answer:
12.55
